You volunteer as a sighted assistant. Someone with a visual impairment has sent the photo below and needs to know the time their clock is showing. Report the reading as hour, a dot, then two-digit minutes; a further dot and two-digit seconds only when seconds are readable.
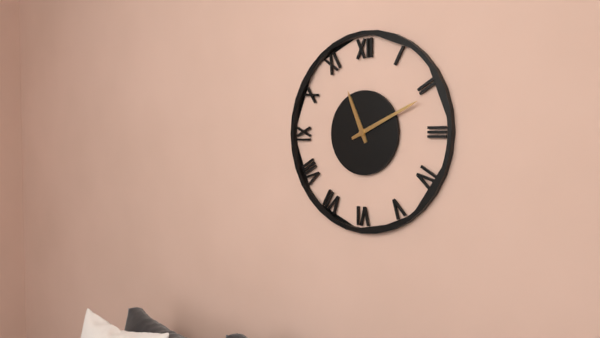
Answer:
11.11
